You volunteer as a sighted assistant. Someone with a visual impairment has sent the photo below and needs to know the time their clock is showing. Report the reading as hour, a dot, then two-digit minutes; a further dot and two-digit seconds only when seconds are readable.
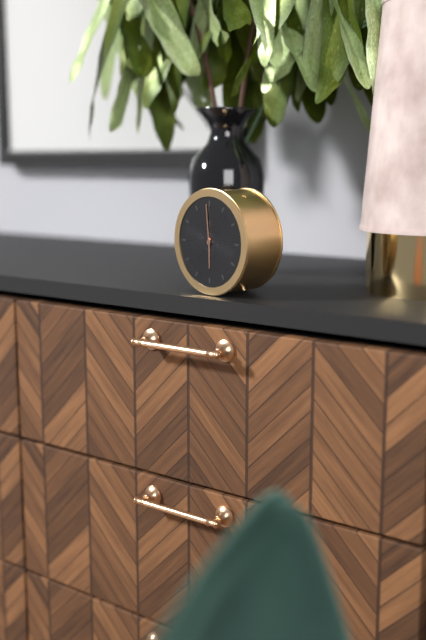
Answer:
5.59
